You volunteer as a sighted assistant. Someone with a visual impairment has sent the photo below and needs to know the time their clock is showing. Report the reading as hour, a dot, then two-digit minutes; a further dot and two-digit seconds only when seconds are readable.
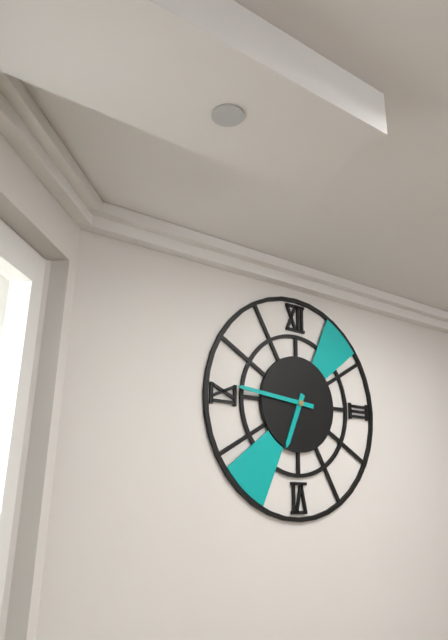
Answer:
6.46
